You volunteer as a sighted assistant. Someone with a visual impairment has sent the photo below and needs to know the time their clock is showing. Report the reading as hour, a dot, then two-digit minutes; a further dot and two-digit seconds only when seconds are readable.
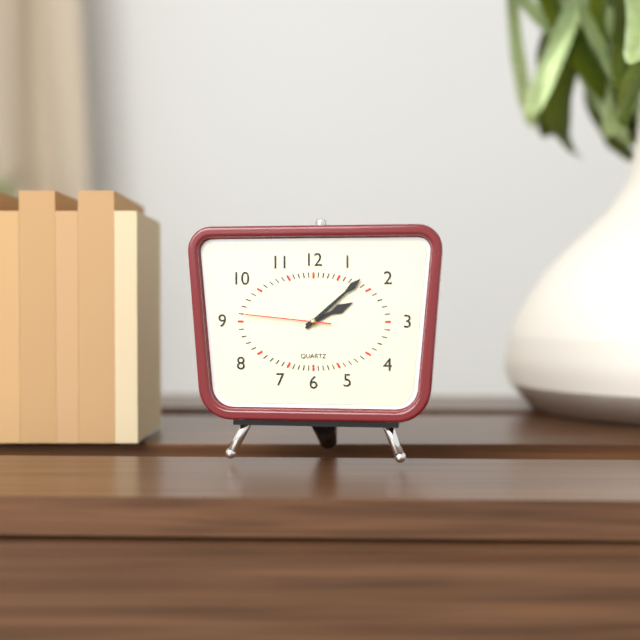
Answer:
2.08.46
